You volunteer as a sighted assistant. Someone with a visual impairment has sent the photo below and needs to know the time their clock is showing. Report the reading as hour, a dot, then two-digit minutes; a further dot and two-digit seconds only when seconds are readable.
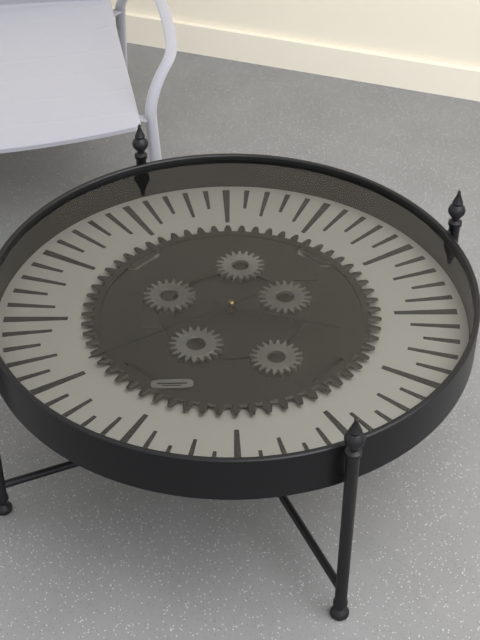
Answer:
3.40
